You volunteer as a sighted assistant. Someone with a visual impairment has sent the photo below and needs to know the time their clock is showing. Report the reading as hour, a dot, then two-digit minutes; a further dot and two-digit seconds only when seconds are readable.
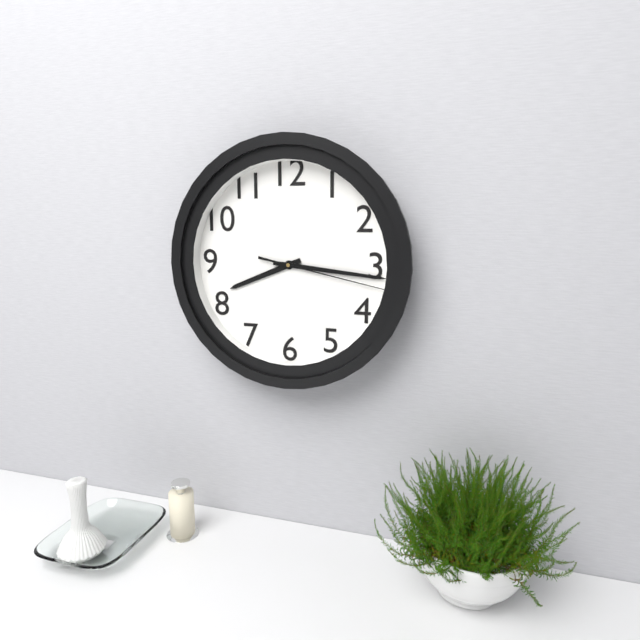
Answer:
8.16.17
